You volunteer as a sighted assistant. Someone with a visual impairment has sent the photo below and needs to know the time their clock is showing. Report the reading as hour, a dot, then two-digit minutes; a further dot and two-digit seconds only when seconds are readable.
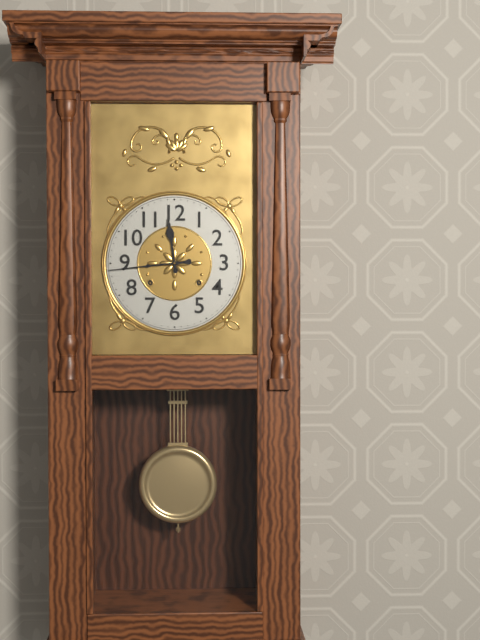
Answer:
11.44
